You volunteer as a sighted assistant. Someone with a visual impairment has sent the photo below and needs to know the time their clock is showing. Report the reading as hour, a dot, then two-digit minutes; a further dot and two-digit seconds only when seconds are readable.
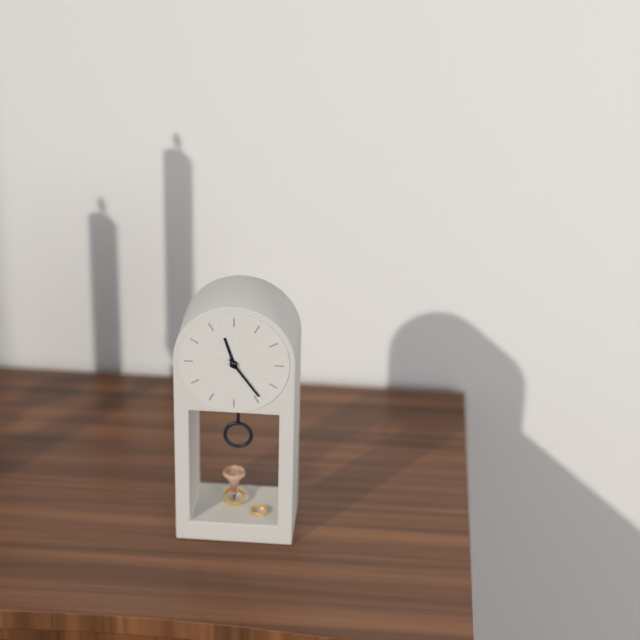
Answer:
11.24
